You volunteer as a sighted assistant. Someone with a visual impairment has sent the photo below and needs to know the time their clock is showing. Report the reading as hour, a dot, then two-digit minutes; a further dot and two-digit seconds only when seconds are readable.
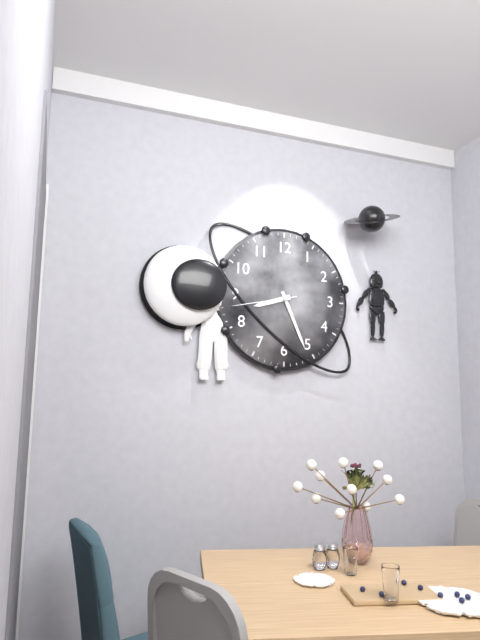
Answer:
8.26.43
